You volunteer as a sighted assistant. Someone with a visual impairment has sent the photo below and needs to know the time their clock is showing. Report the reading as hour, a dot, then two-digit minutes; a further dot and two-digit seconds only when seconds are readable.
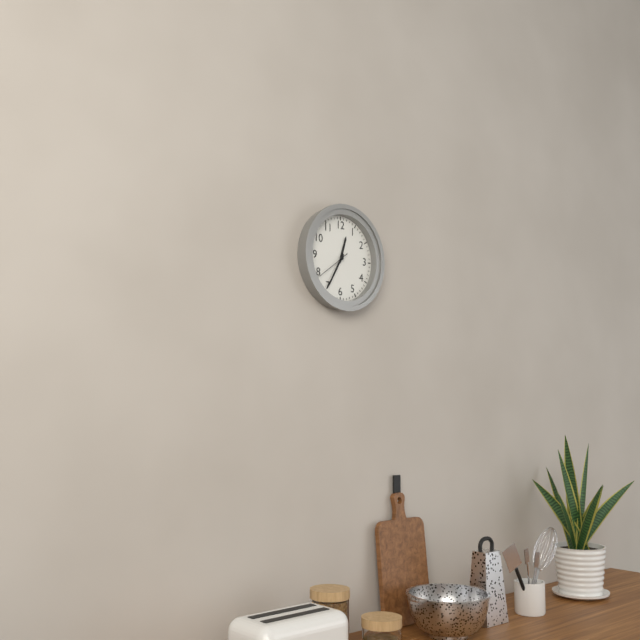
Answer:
12.35
